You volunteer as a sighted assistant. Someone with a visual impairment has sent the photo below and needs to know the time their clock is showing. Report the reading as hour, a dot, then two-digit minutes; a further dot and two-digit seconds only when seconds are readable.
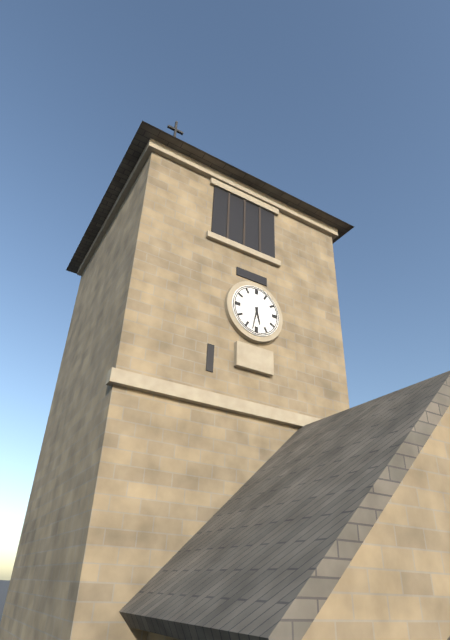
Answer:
5.32
